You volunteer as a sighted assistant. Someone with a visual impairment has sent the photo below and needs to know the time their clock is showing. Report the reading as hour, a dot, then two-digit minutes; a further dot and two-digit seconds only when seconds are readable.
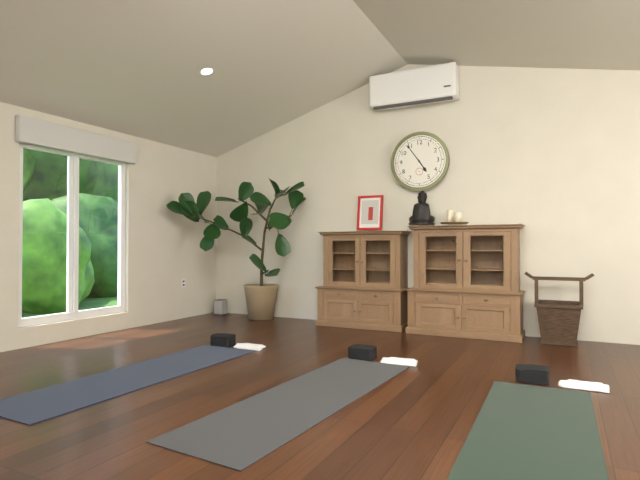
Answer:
4.54
